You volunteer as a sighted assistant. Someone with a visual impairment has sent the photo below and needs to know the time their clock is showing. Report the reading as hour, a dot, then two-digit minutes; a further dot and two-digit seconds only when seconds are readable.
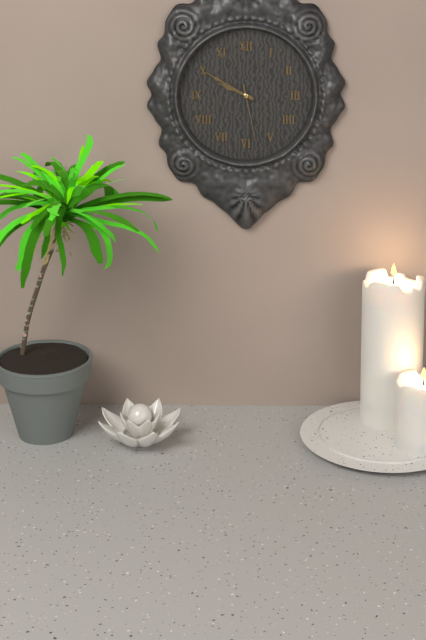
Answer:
9.50.28
